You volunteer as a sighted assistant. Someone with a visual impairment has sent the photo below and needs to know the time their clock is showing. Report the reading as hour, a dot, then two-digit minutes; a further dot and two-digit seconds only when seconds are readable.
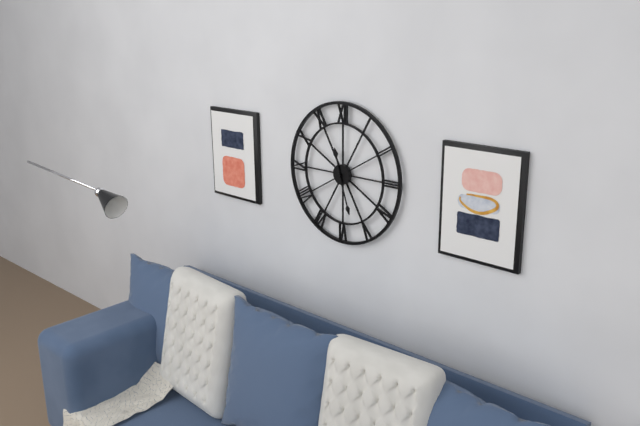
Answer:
11.27
